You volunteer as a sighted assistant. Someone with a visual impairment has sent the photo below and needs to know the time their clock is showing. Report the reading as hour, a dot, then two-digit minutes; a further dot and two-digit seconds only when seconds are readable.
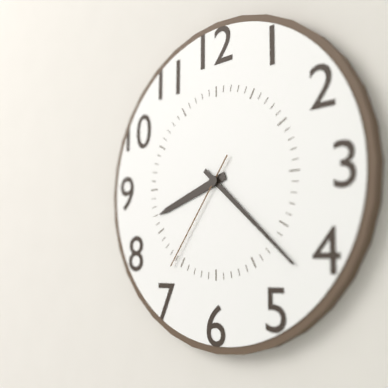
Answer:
8.22.36
